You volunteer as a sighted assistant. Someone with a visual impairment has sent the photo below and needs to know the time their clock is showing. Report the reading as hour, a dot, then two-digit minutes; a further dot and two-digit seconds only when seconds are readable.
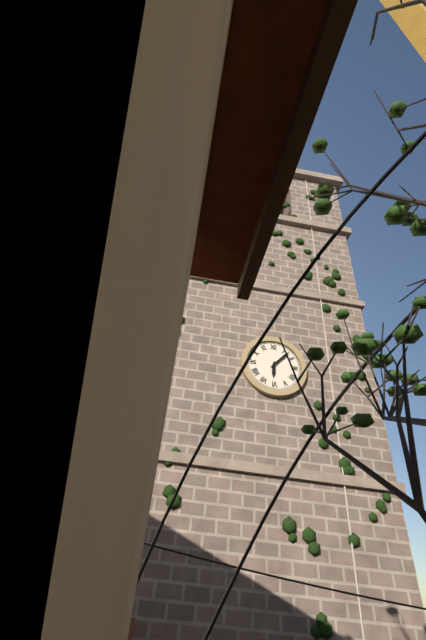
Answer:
6.07
